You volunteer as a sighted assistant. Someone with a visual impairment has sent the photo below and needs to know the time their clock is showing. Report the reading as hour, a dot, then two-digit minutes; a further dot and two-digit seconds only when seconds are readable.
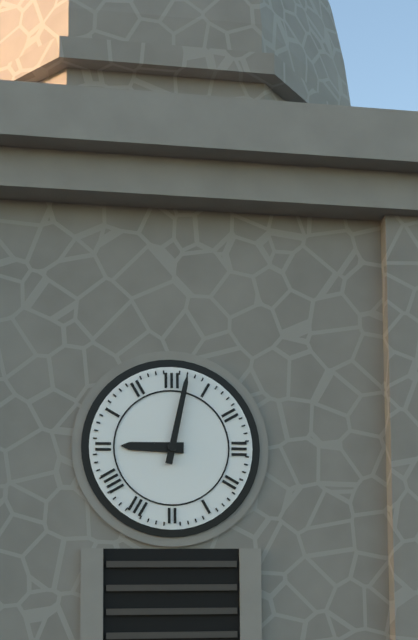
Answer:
9.02
